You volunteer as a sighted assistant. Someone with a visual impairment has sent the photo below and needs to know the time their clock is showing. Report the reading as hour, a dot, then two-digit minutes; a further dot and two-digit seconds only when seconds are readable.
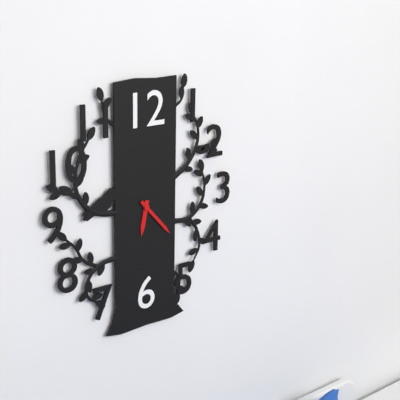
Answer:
6.23
